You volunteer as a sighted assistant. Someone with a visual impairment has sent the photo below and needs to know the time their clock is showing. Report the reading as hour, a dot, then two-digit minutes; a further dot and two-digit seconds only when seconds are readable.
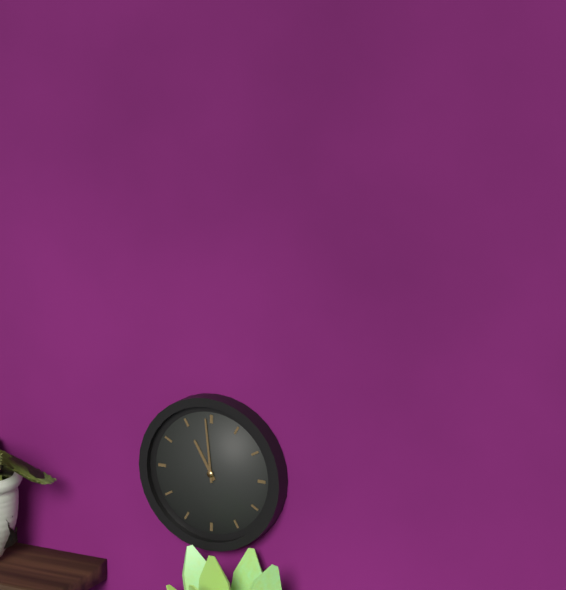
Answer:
10.59
